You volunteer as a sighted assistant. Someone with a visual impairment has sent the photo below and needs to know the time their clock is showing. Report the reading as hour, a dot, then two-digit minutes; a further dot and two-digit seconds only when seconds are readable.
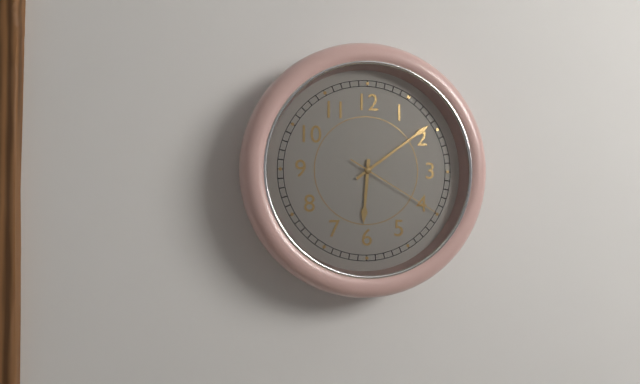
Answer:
6.09.20
